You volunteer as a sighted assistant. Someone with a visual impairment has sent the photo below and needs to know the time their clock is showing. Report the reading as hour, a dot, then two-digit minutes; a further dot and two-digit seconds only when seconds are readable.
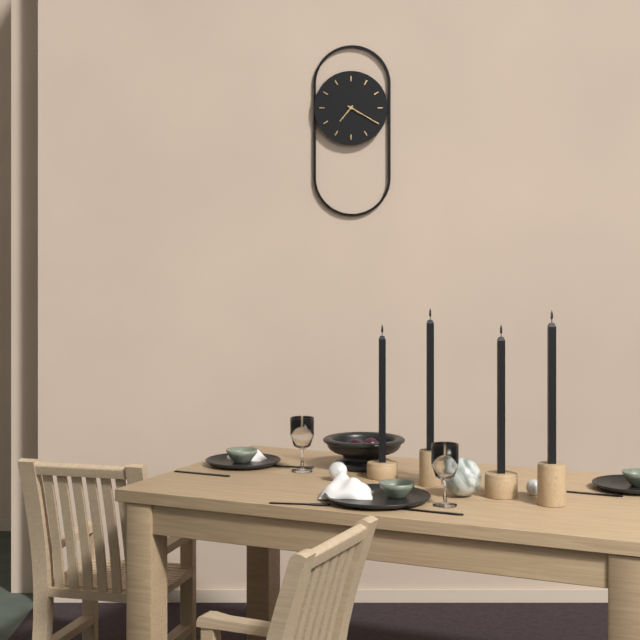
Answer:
7.20
